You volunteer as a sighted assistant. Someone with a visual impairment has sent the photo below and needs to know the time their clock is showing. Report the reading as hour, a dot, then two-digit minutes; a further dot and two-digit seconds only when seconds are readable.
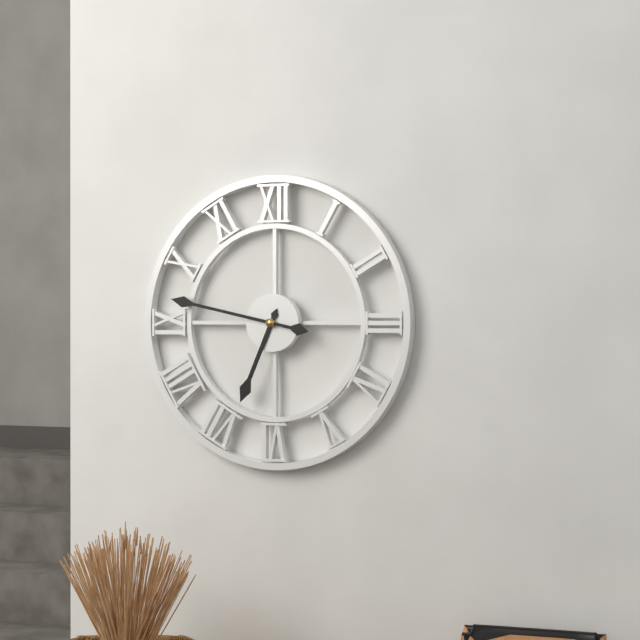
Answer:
6.47
